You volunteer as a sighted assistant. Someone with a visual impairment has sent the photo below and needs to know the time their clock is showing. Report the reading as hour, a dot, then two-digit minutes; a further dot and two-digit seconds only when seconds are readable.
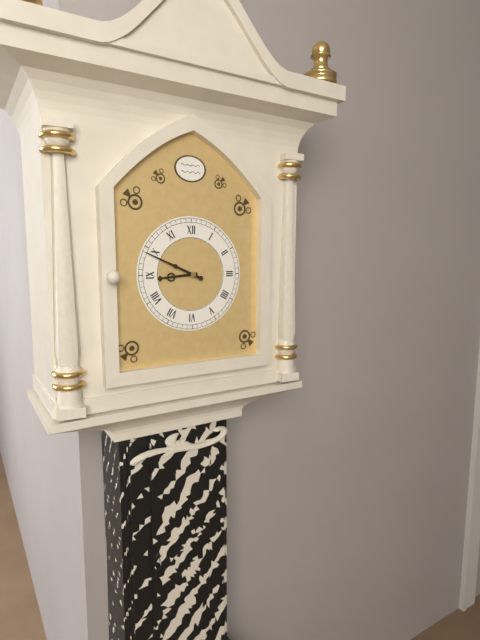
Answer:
8.49
